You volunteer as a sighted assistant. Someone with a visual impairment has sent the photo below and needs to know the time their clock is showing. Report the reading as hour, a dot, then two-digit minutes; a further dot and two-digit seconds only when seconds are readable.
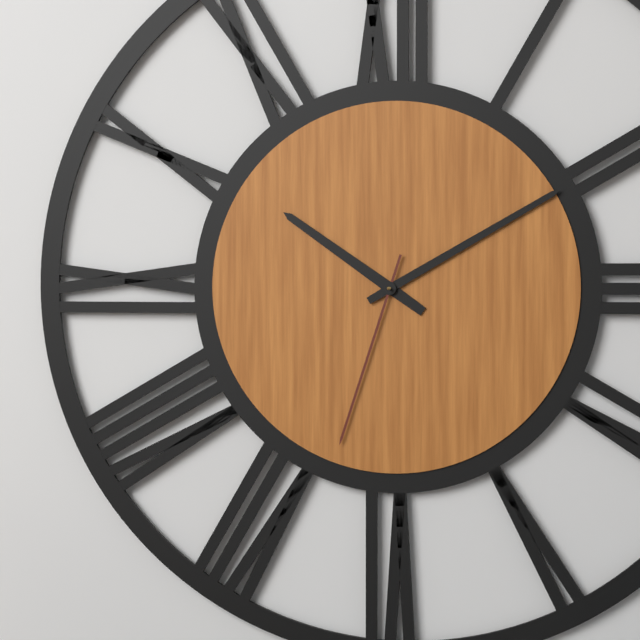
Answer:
10.10.33
